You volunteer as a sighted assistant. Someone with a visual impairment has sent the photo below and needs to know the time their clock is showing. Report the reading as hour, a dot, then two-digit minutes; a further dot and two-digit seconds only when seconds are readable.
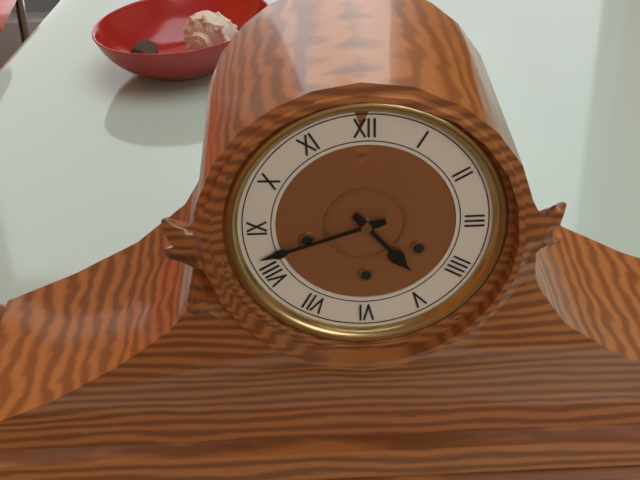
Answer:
4.42
